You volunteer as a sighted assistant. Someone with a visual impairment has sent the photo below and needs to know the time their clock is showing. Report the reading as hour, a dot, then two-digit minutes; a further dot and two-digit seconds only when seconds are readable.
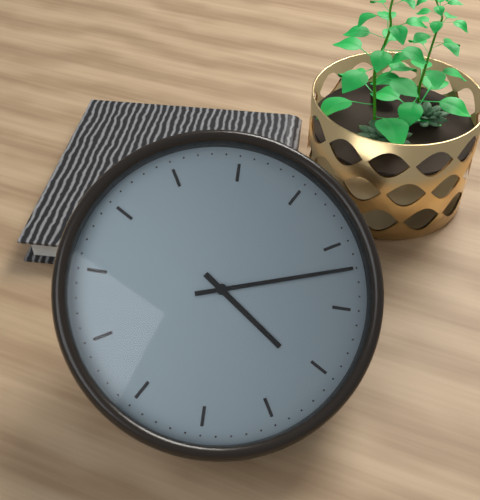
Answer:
4.12
